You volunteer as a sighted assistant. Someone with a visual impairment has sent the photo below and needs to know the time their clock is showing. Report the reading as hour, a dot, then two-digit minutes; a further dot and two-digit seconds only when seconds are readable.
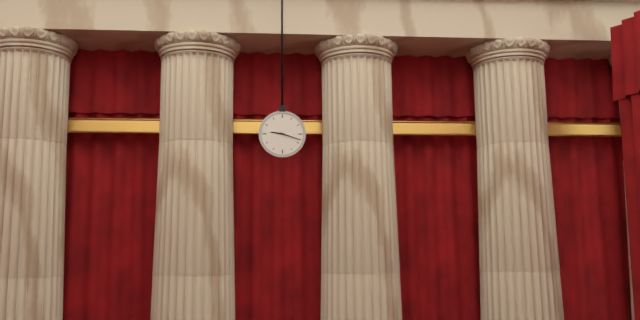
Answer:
9.18
